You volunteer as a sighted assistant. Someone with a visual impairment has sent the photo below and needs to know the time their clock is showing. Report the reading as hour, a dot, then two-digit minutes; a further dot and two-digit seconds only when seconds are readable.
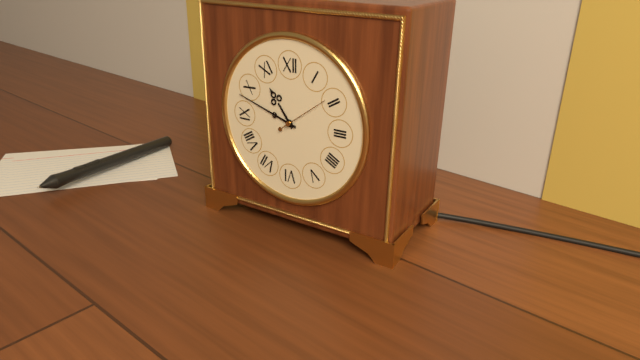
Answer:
10.48.09
